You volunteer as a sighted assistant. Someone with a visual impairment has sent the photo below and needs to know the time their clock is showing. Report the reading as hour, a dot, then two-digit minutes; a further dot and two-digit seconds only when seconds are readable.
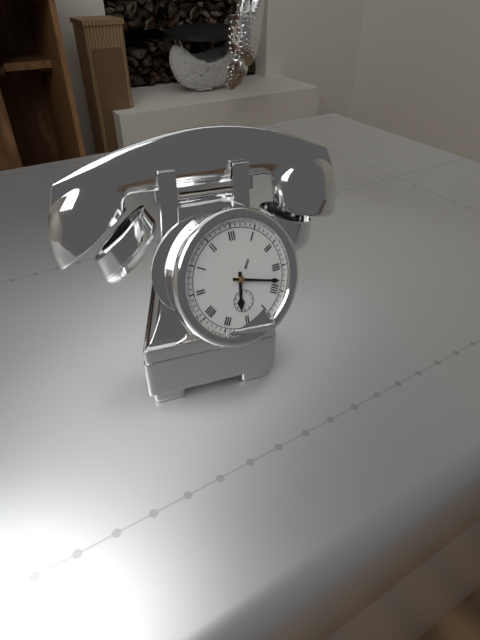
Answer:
6.18
